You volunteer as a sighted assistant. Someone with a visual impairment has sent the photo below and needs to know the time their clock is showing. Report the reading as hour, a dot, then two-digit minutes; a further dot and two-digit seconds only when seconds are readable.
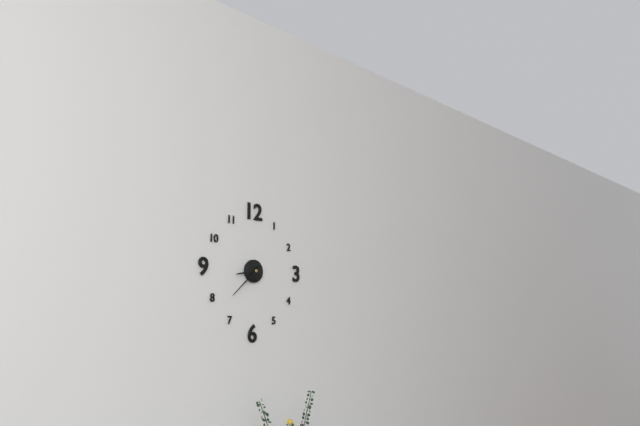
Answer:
8.38
